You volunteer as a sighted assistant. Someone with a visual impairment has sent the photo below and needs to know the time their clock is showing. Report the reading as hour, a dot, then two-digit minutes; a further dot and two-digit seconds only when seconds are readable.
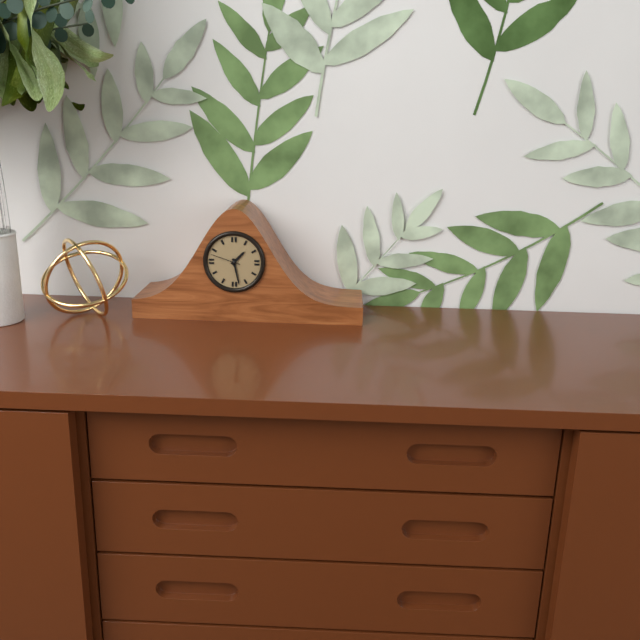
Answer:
1.28
